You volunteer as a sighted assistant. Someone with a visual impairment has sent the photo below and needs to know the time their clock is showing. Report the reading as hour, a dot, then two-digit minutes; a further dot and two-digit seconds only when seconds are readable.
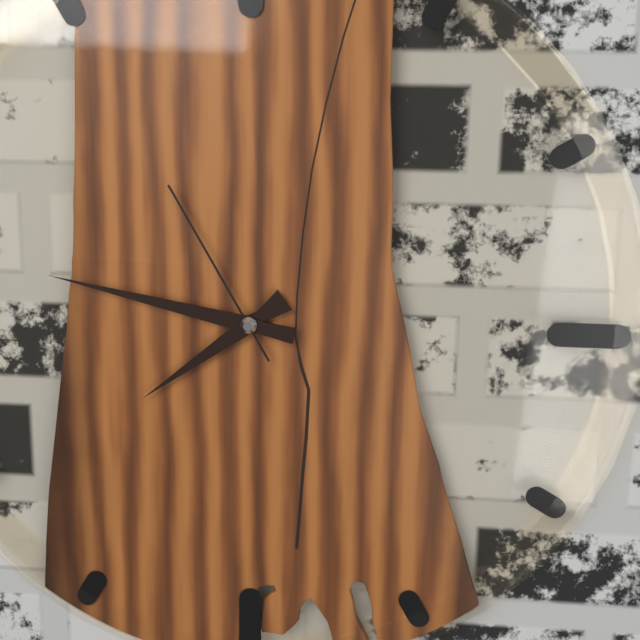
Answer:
7.47.55
